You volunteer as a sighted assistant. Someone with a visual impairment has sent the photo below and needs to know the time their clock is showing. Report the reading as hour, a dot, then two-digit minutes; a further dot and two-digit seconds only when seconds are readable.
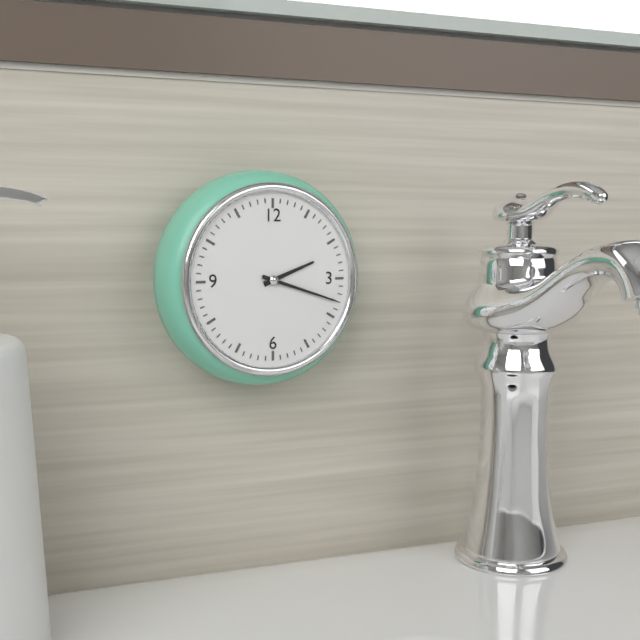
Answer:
2.18
